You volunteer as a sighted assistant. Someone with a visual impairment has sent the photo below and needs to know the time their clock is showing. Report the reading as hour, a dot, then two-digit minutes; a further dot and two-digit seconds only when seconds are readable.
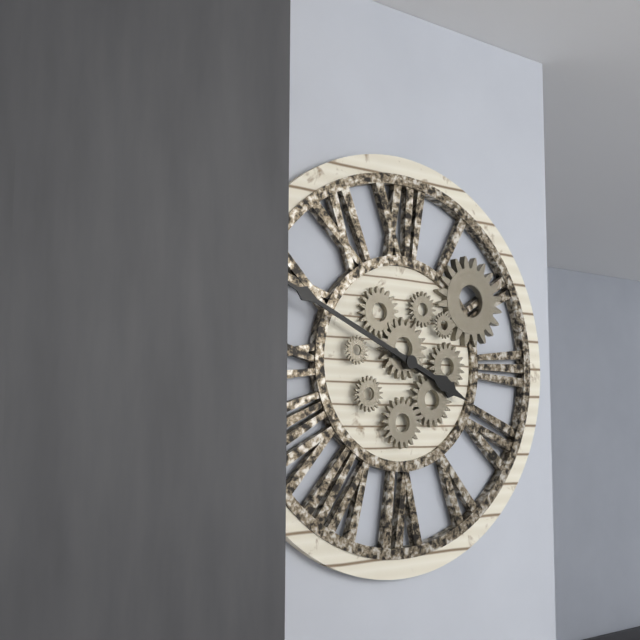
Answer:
3.49
